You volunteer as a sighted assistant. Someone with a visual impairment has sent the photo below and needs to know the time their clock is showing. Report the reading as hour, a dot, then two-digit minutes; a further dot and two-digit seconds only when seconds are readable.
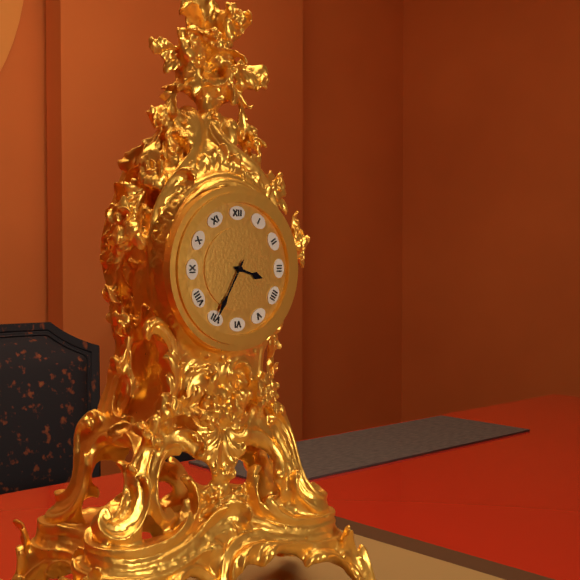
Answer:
3.35
